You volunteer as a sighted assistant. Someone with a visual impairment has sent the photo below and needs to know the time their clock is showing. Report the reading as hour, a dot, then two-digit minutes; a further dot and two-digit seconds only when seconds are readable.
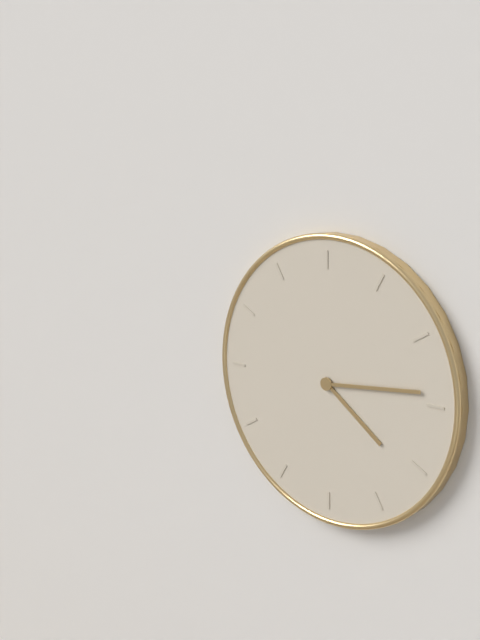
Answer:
4.14
